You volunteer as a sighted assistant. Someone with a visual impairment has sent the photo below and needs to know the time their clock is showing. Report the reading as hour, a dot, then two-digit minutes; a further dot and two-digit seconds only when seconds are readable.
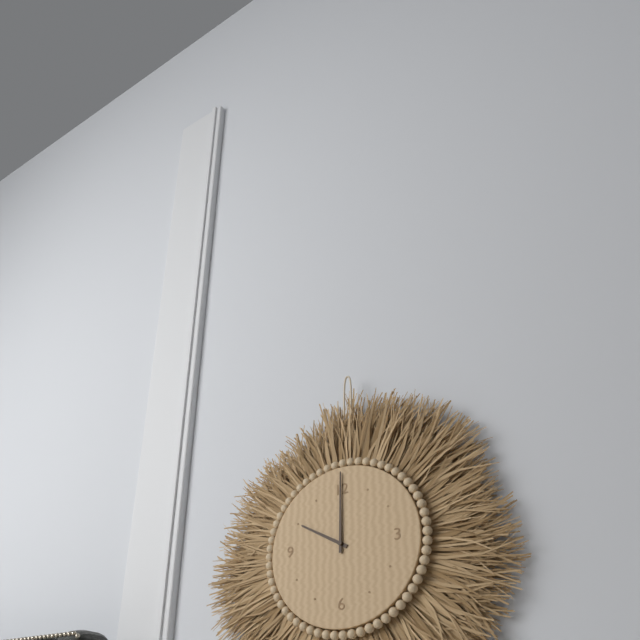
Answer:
10.00
